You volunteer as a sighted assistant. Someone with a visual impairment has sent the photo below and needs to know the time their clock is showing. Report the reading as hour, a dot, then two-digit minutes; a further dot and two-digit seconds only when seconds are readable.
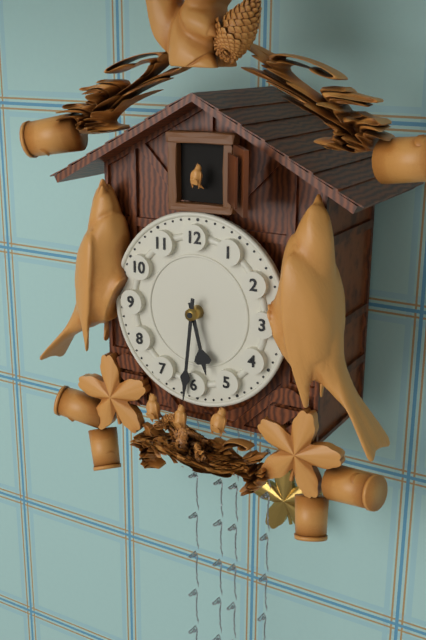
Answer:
5.31
